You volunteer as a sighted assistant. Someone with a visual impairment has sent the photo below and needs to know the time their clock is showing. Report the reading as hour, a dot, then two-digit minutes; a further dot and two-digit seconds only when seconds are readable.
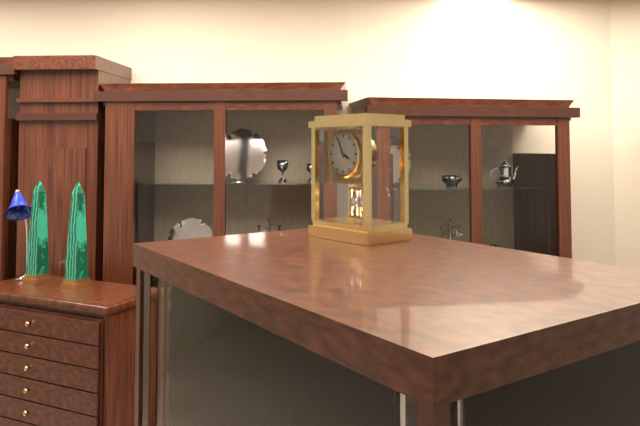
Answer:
3.56
